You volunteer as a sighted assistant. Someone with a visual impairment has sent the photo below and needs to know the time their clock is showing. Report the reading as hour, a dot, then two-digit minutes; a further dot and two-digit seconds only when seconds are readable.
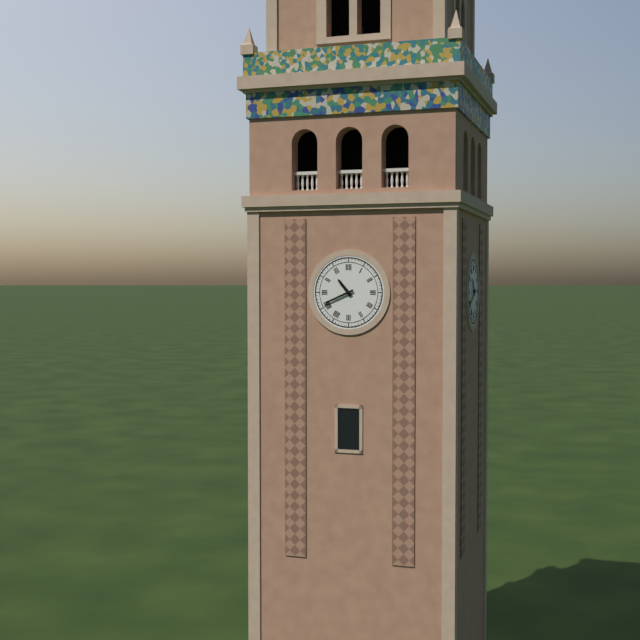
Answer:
10.41
